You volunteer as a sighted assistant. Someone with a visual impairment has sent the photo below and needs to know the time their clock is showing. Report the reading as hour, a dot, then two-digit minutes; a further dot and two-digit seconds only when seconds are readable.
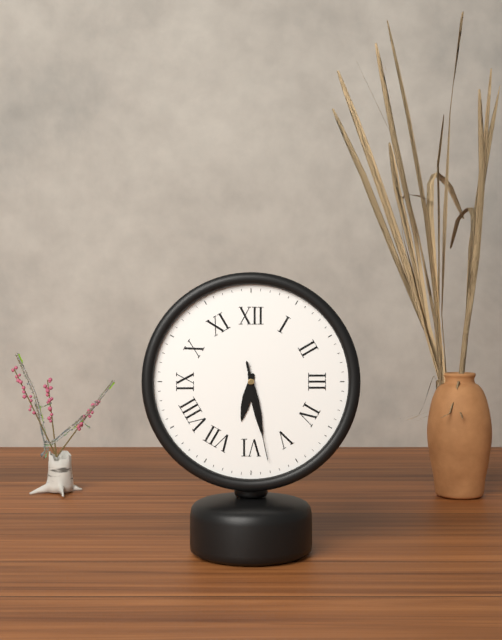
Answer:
6.28.28
